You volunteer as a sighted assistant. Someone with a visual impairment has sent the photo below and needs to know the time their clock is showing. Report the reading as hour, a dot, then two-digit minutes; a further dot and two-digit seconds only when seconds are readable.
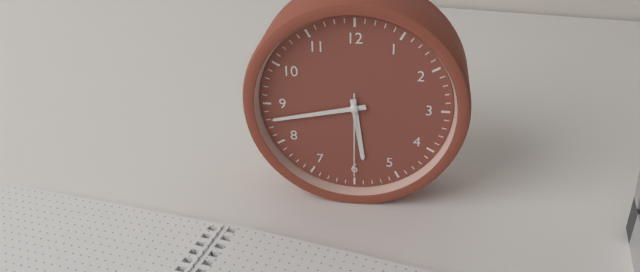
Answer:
5.43.30
